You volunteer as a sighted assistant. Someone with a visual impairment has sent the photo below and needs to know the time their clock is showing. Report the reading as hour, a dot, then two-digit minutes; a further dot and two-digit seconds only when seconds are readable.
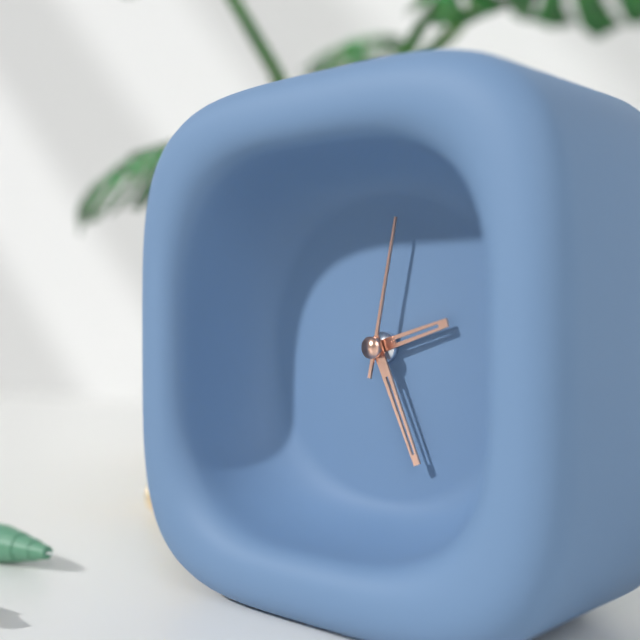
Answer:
2.26.02
